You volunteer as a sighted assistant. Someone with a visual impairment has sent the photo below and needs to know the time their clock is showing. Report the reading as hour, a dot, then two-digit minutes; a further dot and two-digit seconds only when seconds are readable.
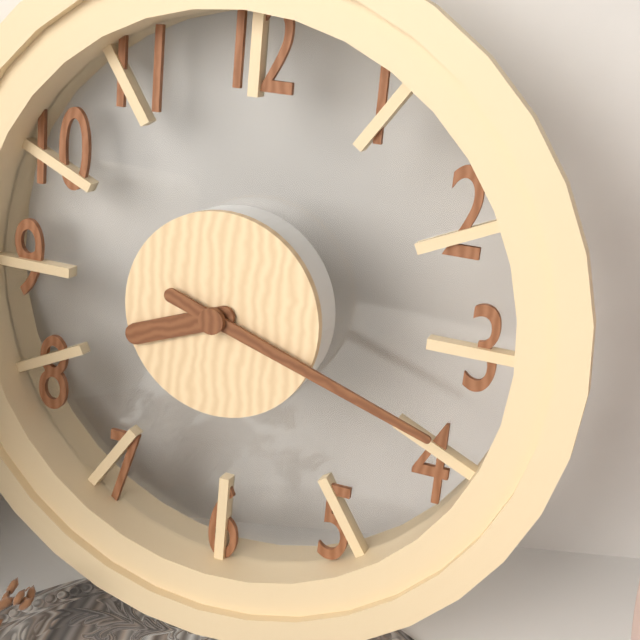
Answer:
8.18
